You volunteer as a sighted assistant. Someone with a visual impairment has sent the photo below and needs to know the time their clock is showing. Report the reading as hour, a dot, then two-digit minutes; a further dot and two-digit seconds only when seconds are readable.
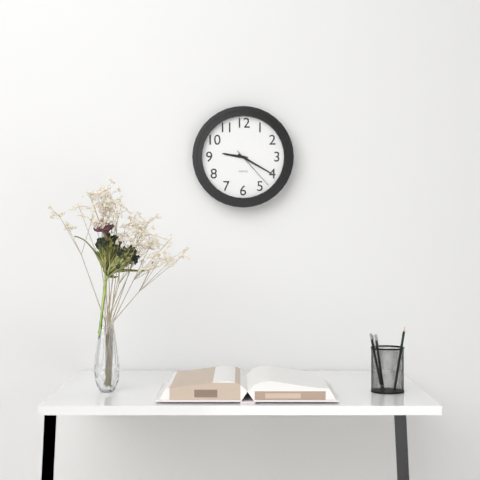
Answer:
9.20
